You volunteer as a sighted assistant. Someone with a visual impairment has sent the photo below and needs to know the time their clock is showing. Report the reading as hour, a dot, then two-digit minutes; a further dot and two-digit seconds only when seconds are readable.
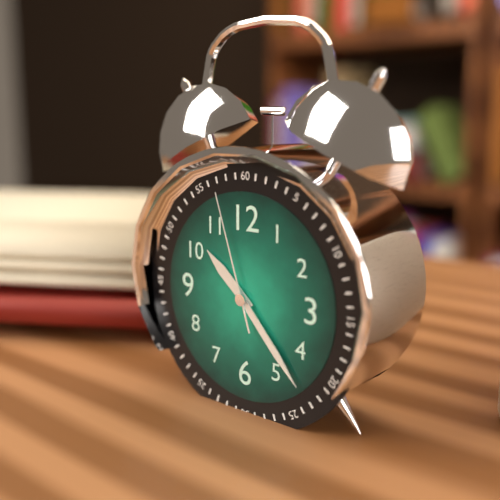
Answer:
10.23.57
